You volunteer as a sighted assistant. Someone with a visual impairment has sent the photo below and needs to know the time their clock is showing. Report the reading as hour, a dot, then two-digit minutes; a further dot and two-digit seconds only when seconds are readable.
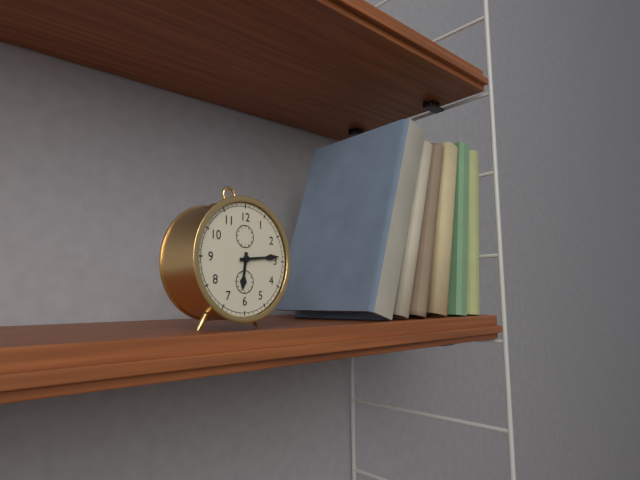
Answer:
6.14
